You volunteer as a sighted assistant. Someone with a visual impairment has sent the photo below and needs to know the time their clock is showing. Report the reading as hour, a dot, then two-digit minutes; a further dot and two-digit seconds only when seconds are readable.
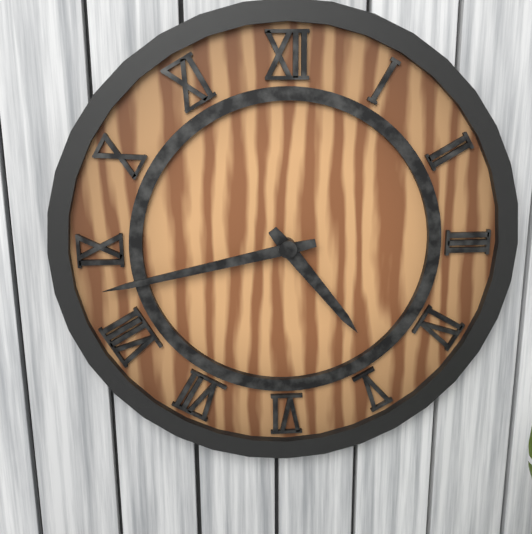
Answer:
4.43
